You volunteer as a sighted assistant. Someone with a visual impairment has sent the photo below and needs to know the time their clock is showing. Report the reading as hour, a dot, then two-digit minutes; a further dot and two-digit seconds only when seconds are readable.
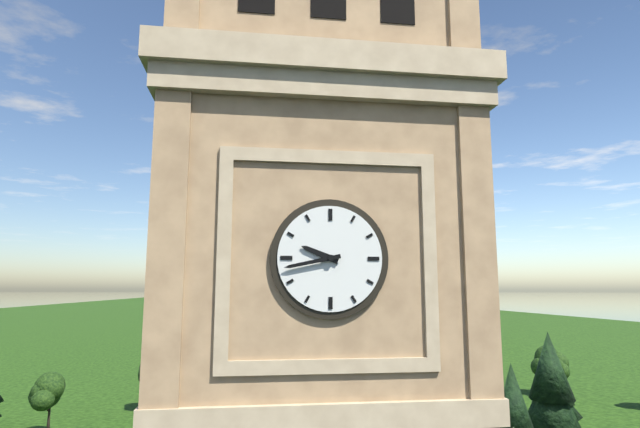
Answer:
9.43
